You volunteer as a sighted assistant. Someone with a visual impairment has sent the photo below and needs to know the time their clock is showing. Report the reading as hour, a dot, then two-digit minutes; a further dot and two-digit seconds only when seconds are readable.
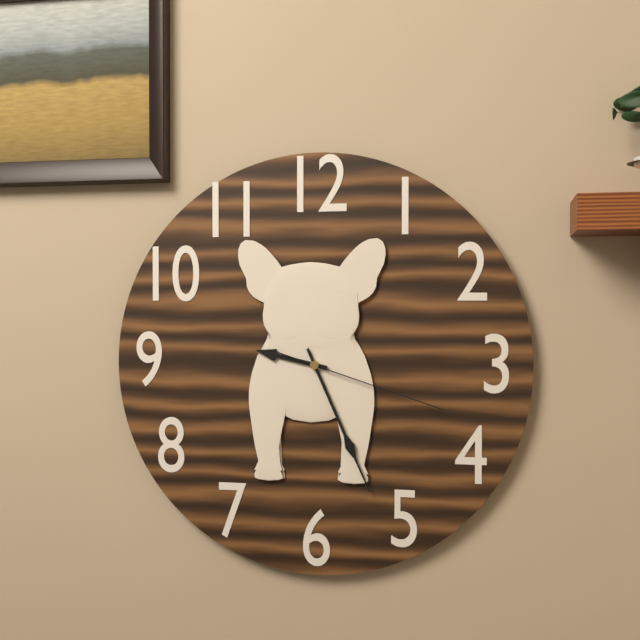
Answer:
9.26.18
